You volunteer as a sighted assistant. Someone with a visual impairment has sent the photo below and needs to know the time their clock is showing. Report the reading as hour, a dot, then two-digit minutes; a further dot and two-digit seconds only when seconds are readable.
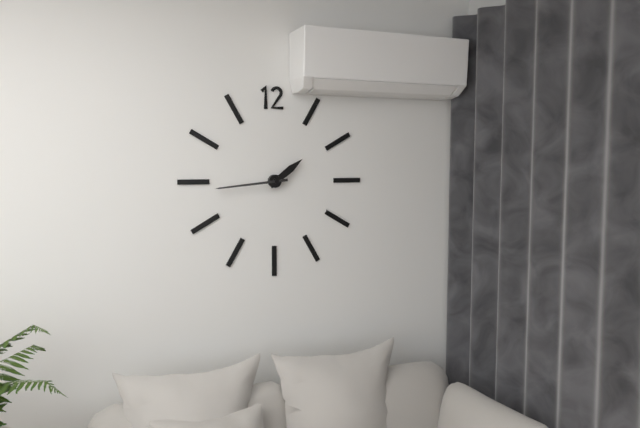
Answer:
1.44
